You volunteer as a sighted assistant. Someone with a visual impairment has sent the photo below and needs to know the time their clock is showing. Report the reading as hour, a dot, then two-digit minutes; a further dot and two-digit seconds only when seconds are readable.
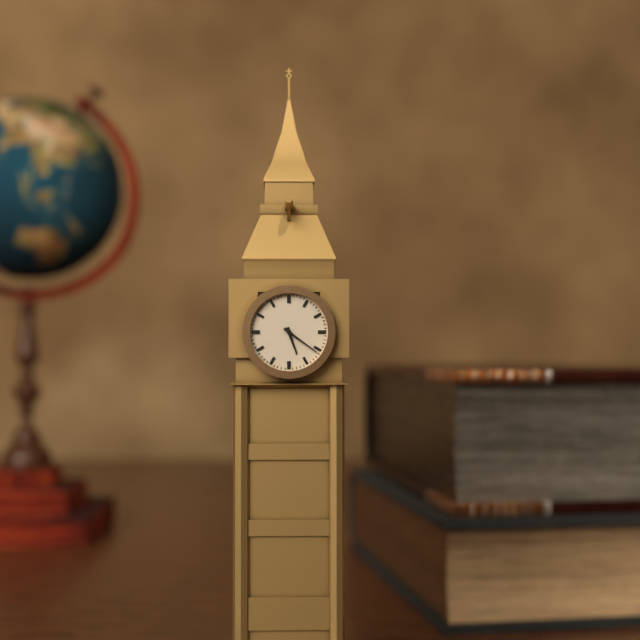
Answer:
5.21
